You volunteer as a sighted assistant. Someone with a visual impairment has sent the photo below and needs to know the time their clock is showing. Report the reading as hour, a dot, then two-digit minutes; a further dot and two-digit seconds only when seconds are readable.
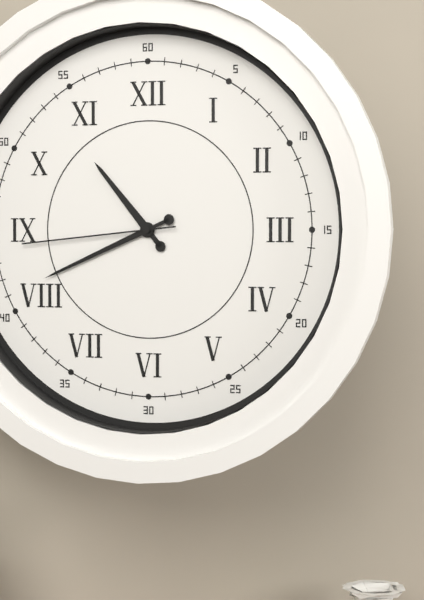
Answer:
10.41.44
